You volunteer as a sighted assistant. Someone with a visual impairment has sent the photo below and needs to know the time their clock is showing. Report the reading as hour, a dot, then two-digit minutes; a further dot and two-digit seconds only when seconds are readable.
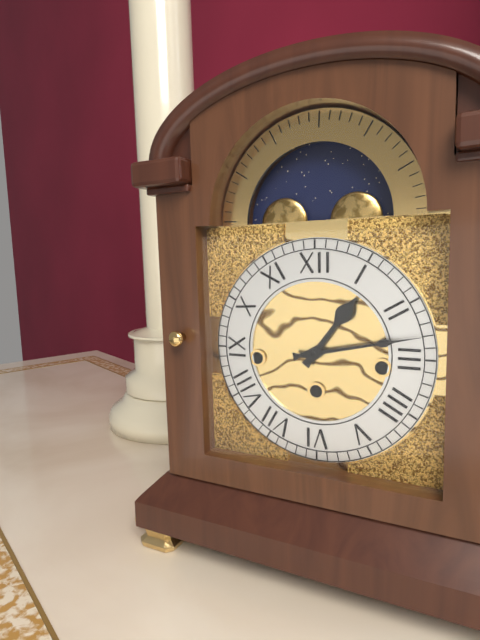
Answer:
1.13
